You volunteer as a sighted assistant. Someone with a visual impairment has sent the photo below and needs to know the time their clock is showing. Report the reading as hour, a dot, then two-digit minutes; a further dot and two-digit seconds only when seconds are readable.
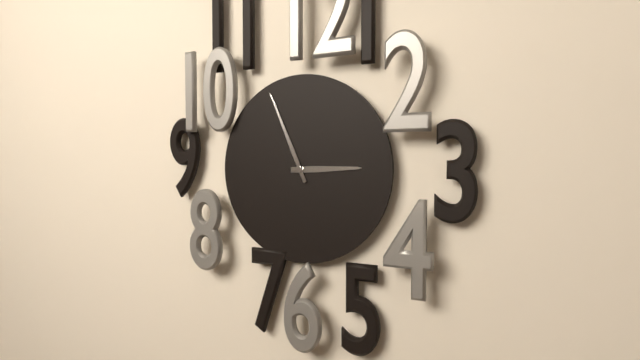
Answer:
2.56
